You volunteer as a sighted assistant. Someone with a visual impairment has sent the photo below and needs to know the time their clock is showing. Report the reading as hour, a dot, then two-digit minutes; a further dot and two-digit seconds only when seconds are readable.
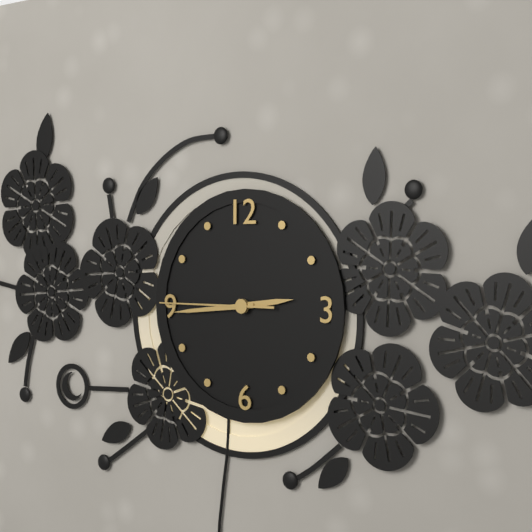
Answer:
2.44.45
